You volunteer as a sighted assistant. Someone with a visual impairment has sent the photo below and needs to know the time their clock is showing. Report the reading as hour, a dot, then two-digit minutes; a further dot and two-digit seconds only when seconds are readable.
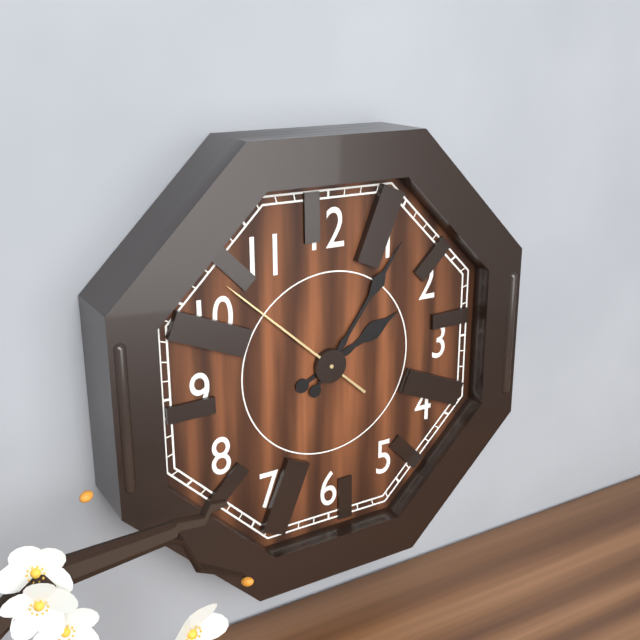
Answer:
2.06.52
